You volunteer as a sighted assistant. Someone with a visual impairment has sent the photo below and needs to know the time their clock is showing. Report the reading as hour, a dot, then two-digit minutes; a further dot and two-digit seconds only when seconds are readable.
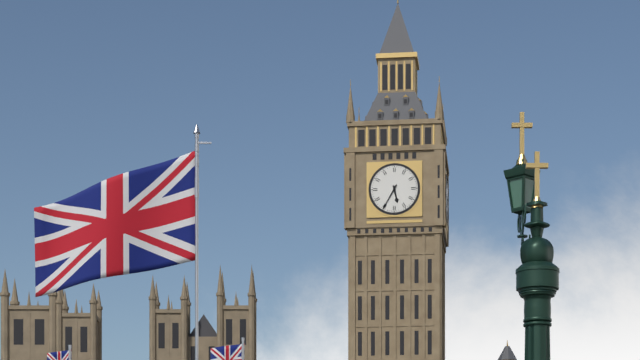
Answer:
5.35
